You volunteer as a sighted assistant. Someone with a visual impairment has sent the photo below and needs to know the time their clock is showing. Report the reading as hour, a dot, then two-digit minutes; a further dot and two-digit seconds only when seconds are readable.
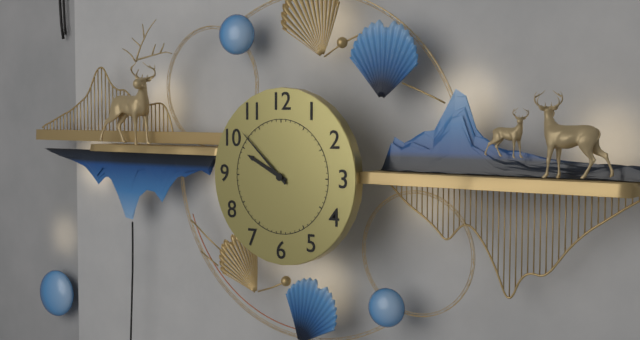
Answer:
9.52
